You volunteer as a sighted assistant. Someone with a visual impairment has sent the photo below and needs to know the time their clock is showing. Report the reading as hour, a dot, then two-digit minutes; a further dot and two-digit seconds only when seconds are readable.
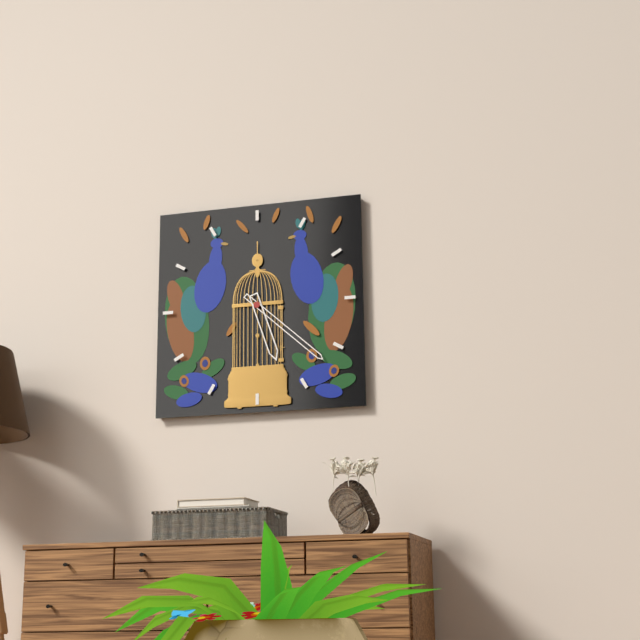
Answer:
5.22
